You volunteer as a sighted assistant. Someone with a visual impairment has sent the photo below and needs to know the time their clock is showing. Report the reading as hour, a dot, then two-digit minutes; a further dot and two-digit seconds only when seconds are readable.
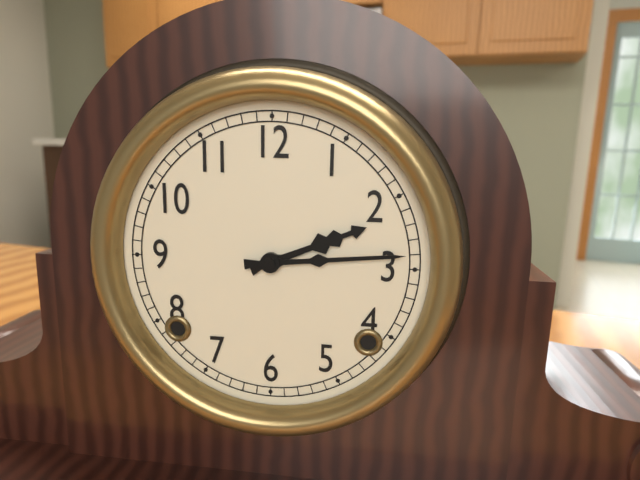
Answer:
2.14
